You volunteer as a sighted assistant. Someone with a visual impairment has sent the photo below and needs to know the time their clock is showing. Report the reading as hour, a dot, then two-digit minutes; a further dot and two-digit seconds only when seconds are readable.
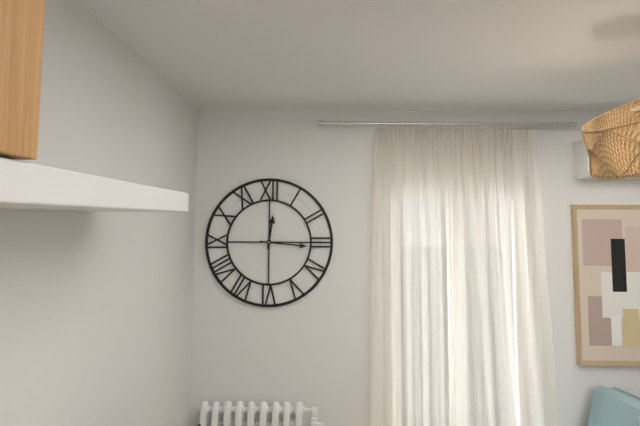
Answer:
12.16
